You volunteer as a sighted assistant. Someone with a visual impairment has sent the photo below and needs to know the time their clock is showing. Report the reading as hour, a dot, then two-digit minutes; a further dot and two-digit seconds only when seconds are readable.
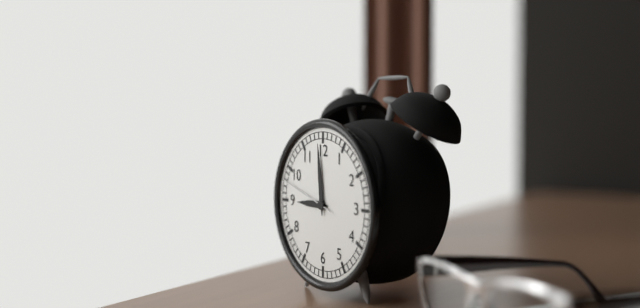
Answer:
8.59.48
